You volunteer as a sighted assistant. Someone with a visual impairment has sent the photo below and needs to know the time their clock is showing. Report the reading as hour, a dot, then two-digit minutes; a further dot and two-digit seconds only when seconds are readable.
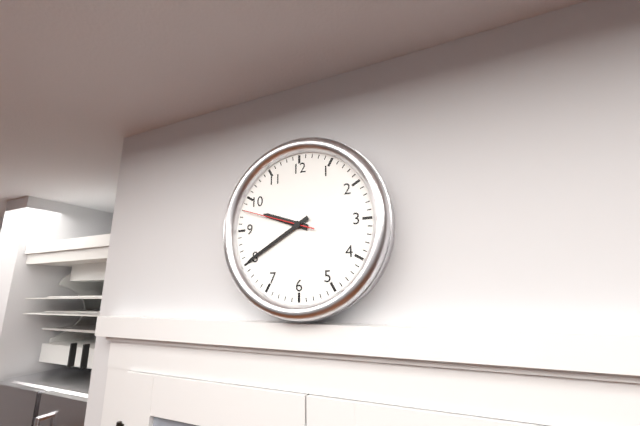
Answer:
9.40.48
